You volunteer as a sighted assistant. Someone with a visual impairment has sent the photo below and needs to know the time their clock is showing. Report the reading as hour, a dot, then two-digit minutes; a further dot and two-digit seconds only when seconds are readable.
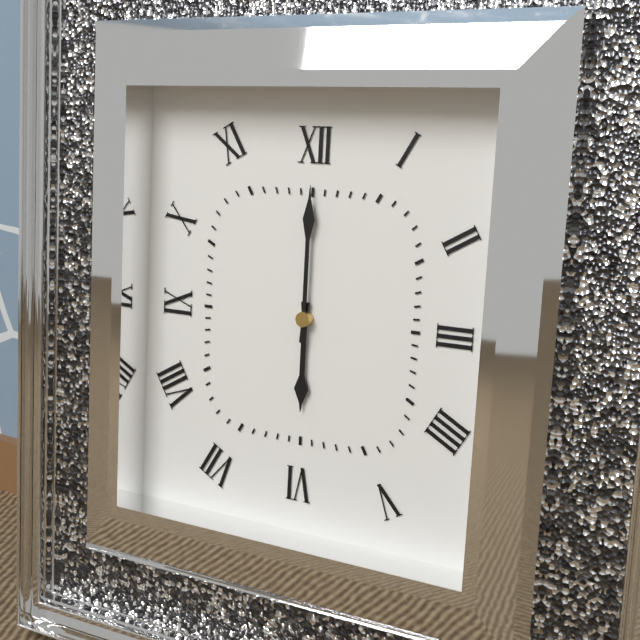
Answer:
6.00
